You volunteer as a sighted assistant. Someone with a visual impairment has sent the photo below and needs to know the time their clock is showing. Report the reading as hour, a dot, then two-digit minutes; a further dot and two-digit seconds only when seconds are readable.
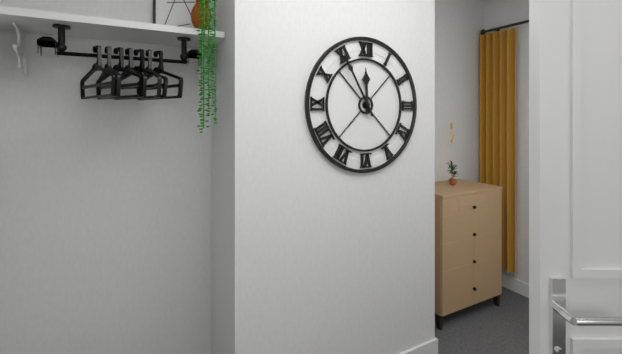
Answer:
11.55
